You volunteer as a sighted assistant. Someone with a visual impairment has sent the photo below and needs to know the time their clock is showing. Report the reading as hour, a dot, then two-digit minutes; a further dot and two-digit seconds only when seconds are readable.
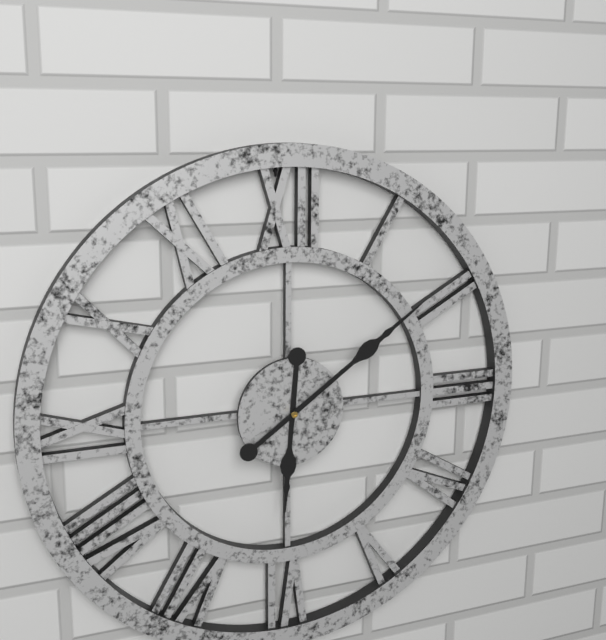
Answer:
6.09
